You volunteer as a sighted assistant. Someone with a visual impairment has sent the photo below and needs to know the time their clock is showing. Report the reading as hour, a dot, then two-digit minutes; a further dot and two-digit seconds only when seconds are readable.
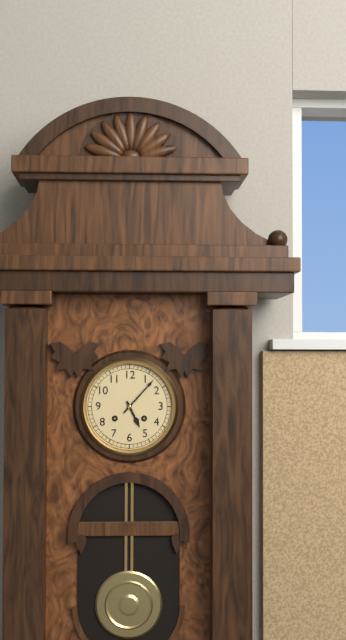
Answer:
5.07
